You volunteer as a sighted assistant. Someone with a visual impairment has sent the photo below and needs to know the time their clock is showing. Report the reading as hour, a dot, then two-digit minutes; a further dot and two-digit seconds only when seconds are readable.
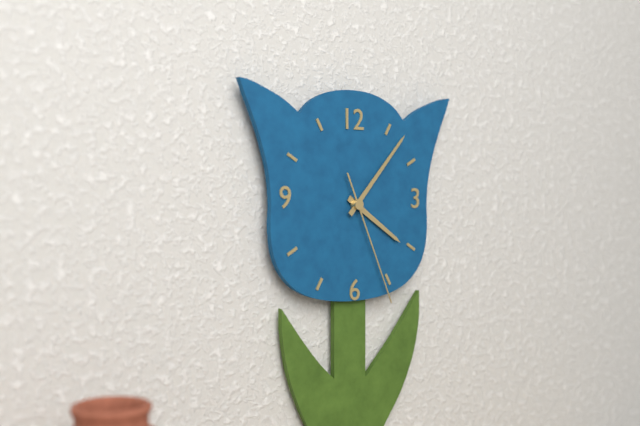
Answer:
4.07.26
